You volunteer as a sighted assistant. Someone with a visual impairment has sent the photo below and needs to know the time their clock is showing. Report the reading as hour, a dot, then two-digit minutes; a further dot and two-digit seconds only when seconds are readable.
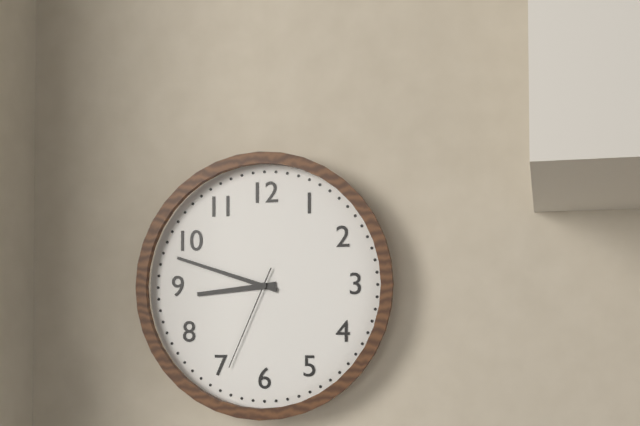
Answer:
8.48.34
